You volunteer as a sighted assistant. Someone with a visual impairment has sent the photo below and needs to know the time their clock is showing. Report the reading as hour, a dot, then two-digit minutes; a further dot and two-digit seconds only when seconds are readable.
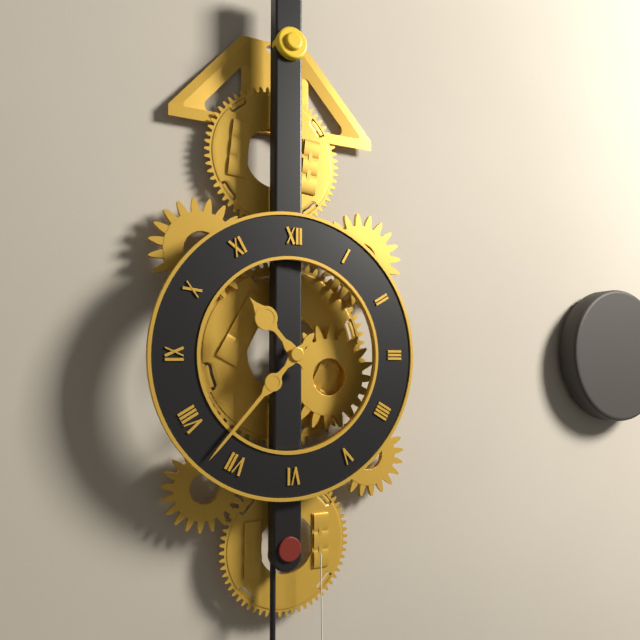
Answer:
10.37
